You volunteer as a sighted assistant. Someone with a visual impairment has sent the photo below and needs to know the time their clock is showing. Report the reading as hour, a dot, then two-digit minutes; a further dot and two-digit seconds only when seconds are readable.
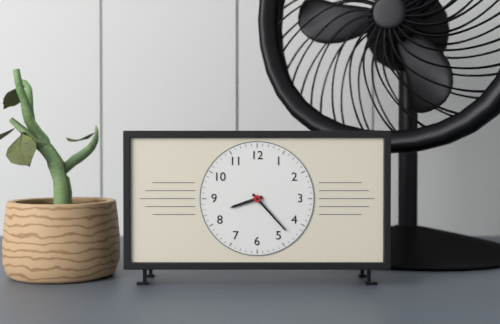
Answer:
8.23
